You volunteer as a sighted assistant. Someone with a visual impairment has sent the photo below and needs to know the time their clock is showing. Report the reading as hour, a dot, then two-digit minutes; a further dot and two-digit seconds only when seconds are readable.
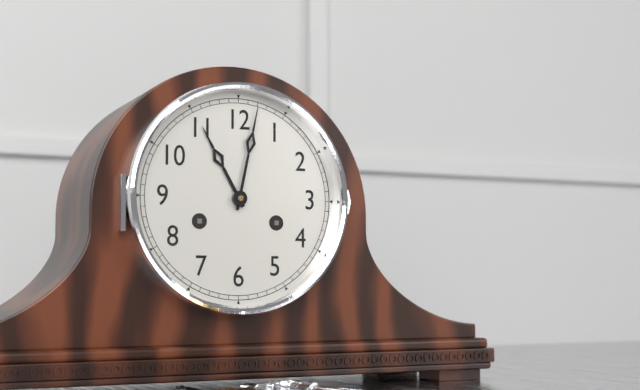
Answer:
11.02
